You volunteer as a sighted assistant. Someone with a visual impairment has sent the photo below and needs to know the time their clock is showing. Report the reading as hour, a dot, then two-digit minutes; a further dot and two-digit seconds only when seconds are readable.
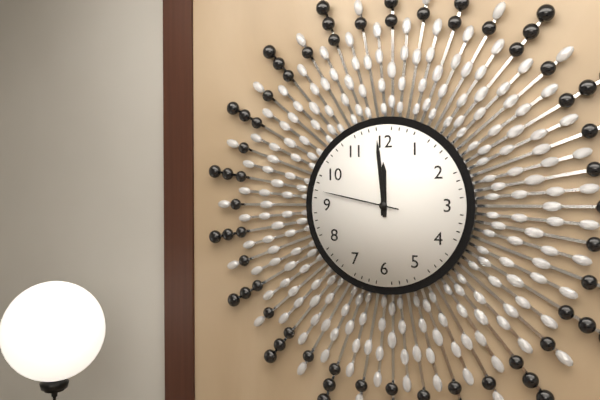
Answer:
11.59.47
